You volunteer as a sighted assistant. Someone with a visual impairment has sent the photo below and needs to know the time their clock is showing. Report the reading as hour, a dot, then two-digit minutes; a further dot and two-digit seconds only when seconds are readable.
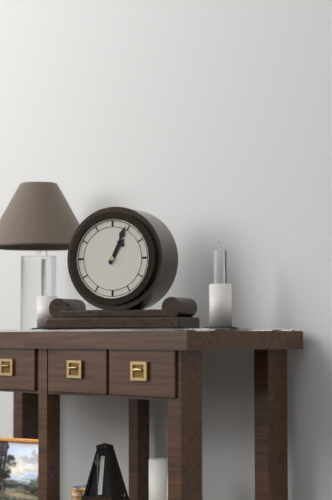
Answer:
1.04
